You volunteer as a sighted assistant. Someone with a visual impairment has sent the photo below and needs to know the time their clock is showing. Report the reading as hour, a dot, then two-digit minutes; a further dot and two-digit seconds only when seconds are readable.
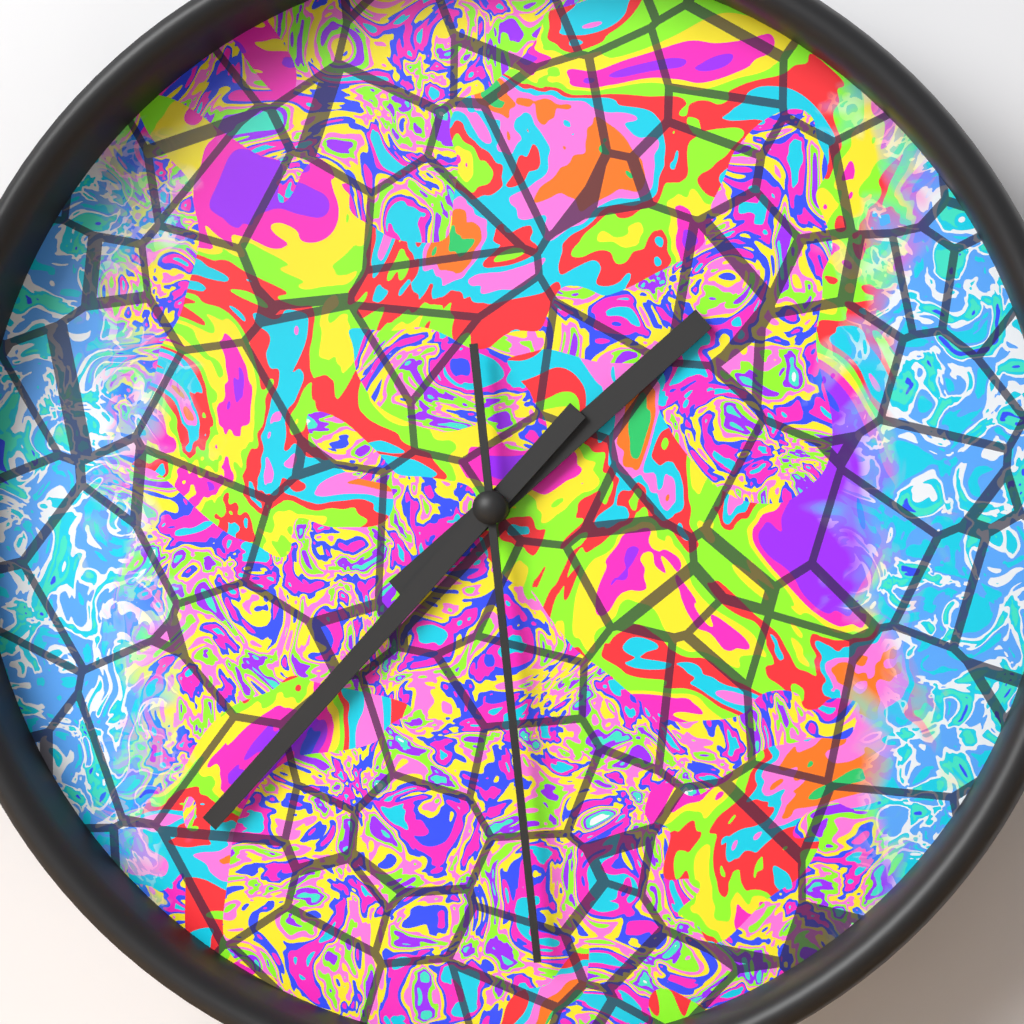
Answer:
1.37.29
